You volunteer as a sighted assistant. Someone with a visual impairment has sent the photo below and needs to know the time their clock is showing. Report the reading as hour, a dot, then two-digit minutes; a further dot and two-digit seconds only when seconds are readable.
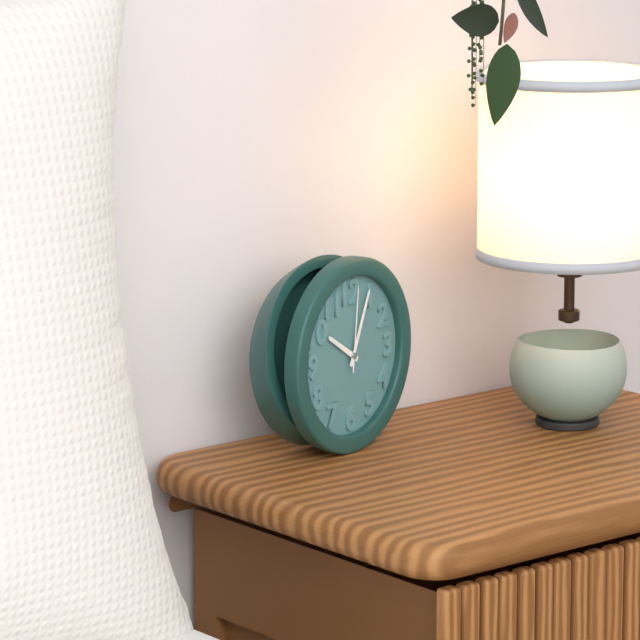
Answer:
10.04.01
